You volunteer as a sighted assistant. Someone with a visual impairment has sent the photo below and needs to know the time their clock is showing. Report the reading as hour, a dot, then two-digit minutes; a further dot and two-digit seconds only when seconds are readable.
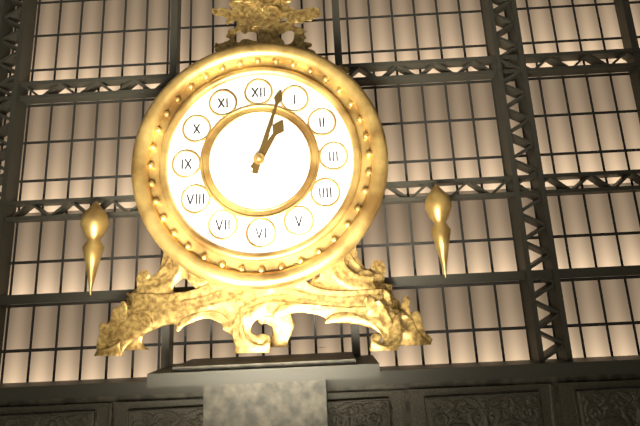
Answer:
1.03
